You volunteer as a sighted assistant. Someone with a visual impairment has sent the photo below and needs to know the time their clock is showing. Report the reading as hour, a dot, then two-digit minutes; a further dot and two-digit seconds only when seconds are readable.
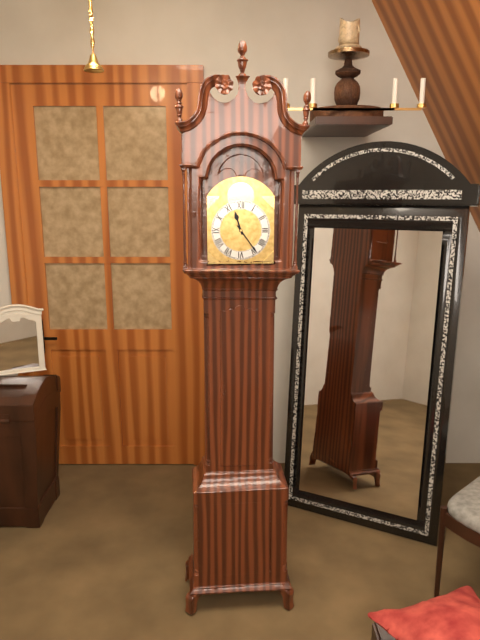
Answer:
11.24
